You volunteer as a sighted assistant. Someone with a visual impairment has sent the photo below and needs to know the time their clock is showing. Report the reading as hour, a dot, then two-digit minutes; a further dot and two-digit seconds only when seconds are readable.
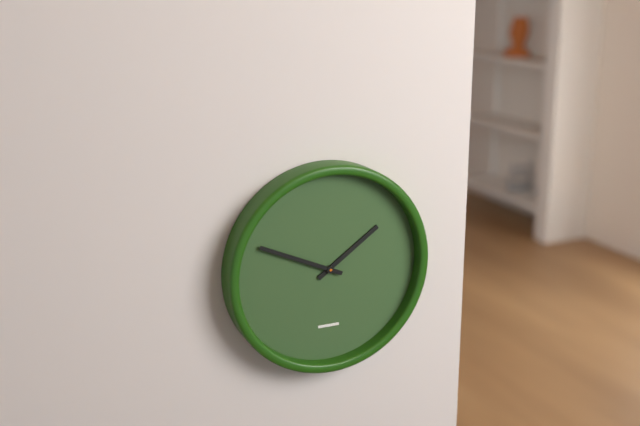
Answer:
1.49
